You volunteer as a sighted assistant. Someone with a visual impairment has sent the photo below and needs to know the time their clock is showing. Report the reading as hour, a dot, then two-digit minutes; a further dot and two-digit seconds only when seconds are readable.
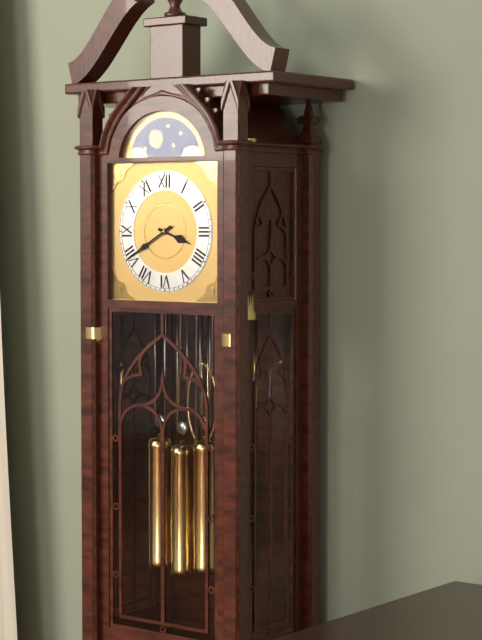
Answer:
3.40
